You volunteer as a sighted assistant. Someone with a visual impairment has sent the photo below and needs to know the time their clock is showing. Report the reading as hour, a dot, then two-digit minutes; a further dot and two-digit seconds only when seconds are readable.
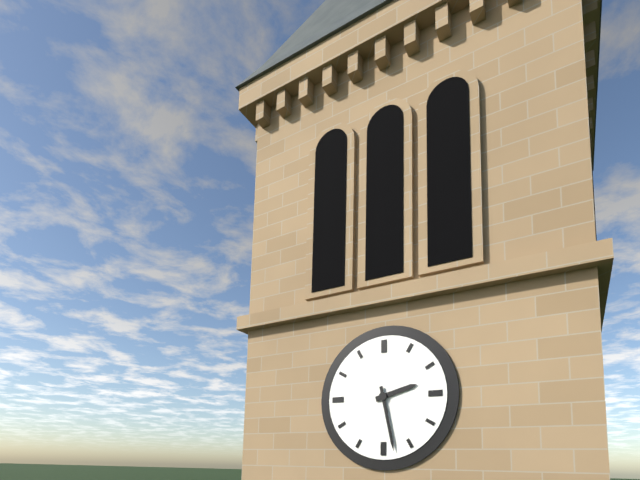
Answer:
2.28
